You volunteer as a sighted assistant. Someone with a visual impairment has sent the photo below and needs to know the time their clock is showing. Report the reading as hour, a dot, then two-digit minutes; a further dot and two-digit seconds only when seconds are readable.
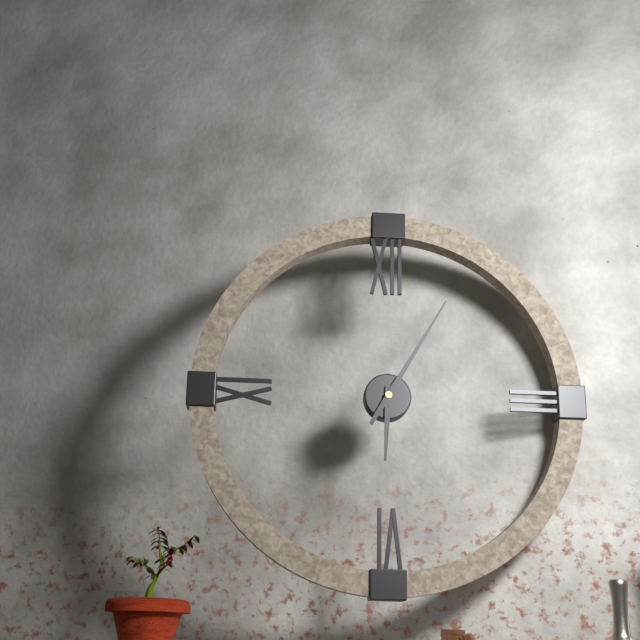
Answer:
6.05
